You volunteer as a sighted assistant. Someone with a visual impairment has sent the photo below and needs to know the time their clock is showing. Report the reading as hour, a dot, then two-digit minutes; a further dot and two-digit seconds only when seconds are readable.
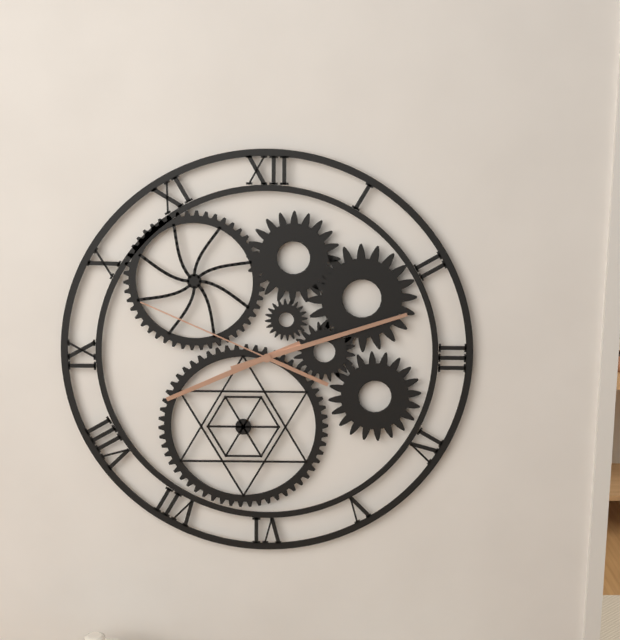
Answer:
8.12.49
